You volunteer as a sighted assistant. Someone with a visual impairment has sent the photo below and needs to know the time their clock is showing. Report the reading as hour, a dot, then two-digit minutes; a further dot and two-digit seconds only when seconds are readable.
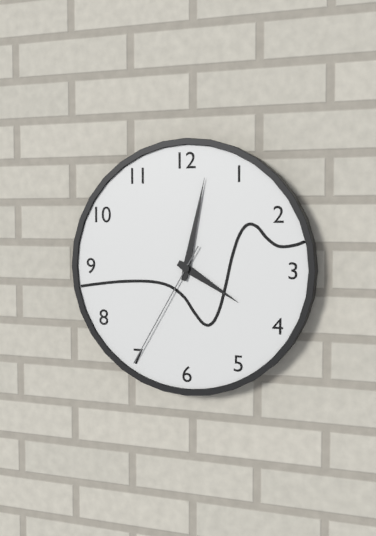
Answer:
4.02.35
